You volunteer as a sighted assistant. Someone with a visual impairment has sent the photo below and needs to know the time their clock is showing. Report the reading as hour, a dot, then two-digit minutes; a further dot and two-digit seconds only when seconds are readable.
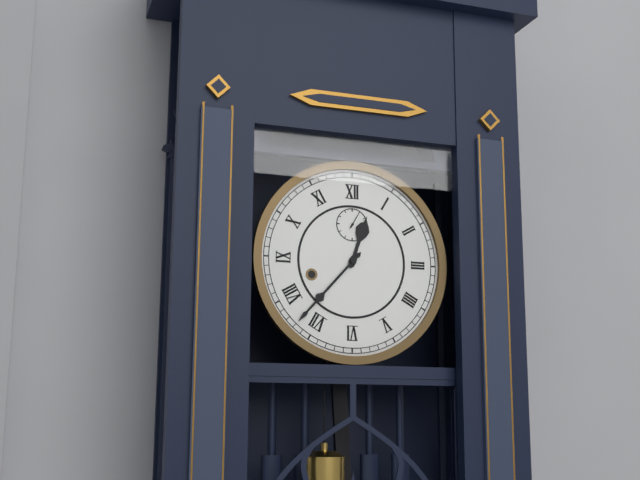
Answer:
12.37
